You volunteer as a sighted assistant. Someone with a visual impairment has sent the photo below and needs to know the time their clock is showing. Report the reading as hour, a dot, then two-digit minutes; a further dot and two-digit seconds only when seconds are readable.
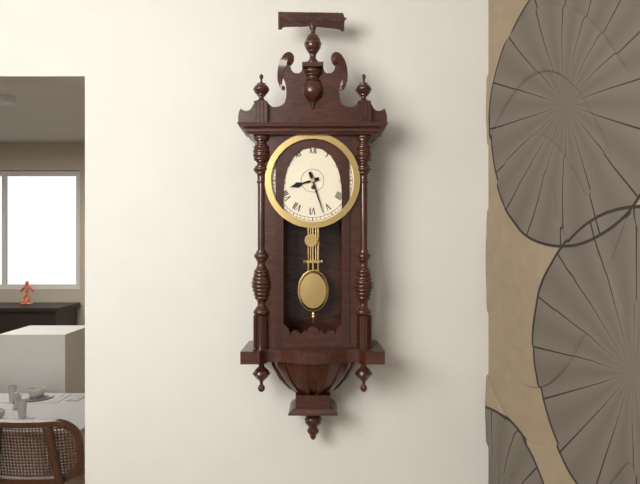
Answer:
8.27
